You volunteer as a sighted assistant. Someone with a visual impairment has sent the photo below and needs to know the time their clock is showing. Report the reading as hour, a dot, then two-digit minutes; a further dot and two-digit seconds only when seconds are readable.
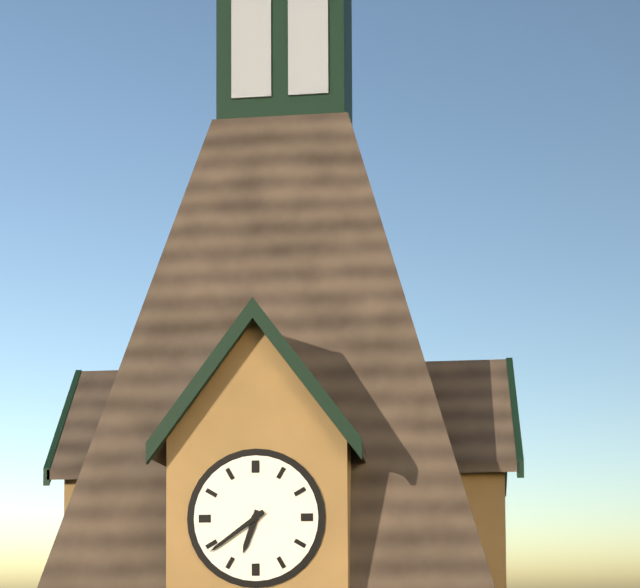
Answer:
6.39
